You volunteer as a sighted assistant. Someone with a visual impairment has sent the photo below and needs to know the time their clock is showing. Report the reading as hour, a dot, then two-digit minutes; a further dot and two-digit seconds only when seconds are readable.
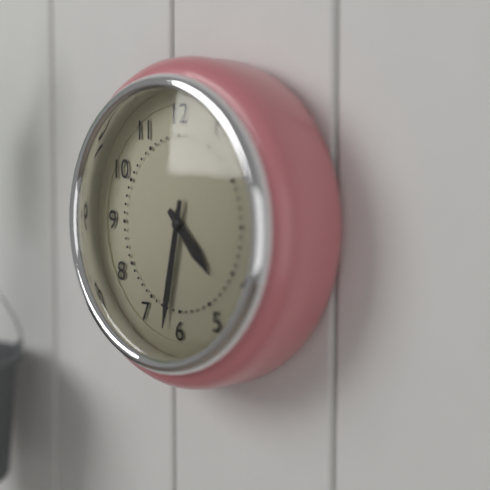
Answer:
4.32
